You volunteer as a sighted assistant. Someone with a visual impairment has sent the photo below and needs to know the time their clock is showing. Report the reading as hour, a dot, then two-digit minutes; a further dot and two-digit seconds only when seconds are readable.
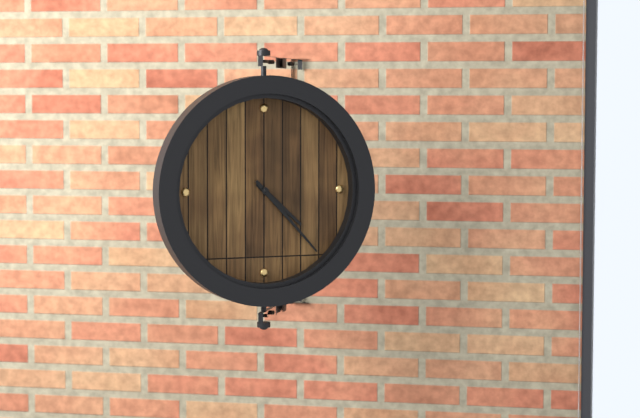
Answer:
4.23
